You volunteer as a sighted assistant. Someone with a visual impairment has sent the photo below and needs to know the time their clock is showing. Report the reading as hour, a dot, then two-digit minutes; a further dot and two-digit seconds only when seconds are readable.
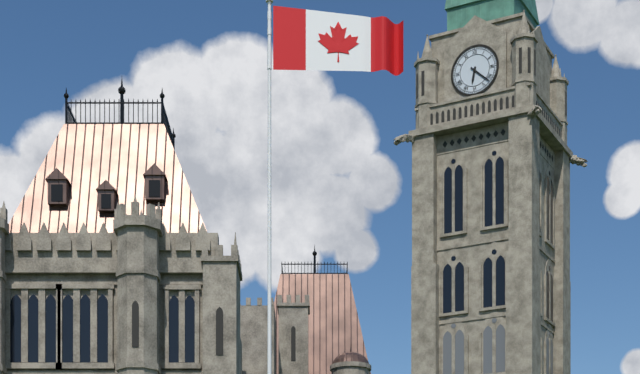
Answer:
6.22
